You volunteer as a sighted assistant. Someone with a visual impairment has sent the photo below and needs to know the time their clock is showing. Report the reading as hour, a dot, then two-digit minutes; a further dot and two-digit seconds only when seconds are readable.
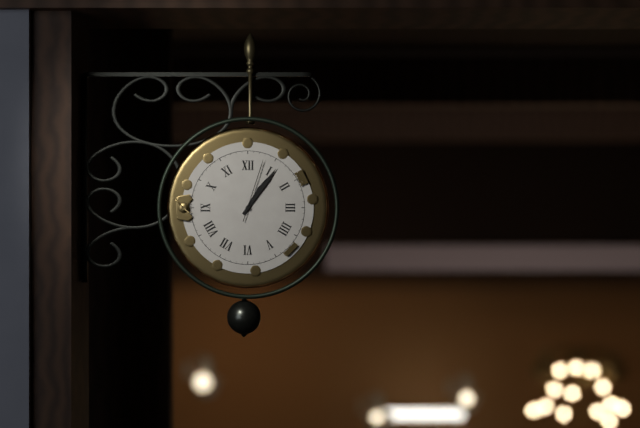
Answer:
1.06.03
